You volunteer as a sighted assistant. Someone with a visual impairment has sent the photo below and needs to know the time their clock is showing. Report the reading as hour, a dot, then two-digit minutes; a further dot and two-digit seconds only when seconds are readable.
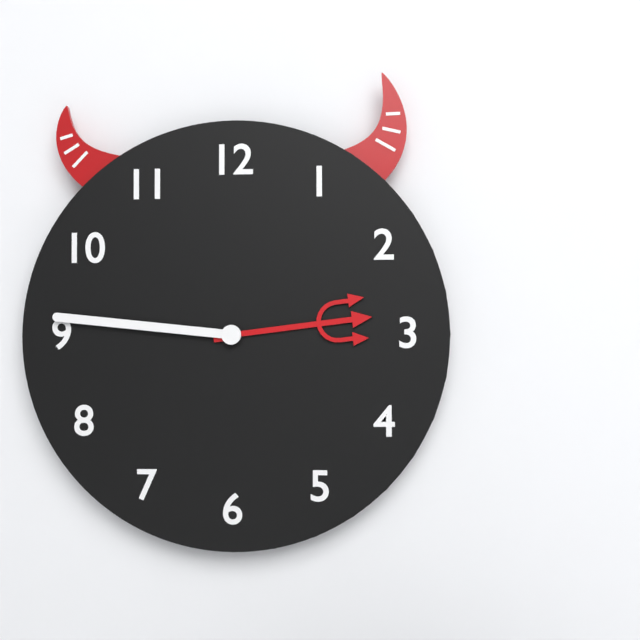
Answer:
2.46
